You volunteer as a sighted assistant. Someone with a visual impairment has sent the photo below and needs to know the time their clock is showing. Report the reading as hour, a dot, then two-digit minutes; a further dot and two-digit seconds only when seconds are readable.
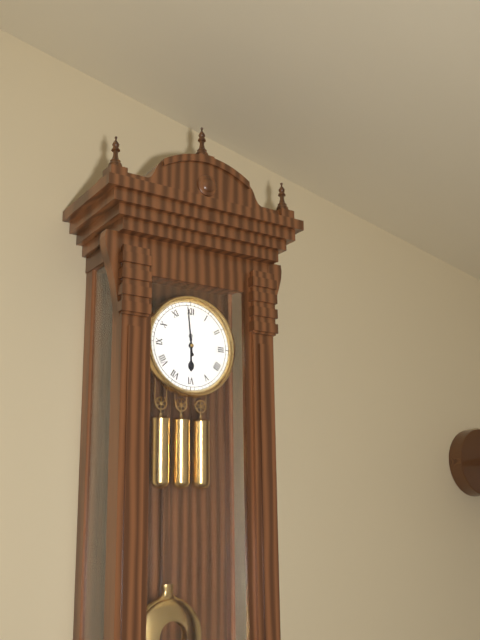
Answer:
5.59
